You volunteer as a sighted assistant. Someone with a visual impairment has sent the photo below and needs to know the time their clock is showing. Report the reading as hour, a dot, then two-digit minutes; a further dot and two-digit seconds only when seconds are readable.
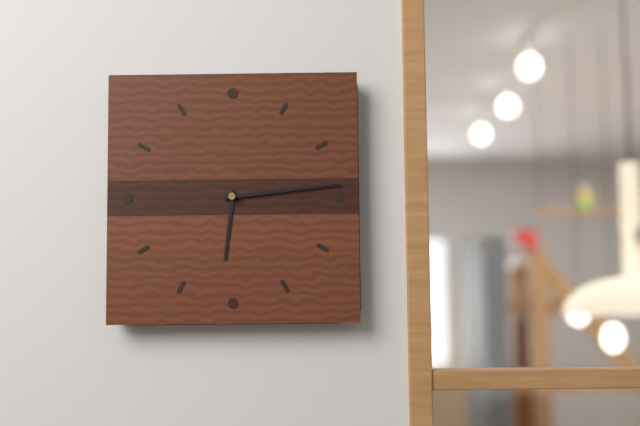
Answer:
6.14
